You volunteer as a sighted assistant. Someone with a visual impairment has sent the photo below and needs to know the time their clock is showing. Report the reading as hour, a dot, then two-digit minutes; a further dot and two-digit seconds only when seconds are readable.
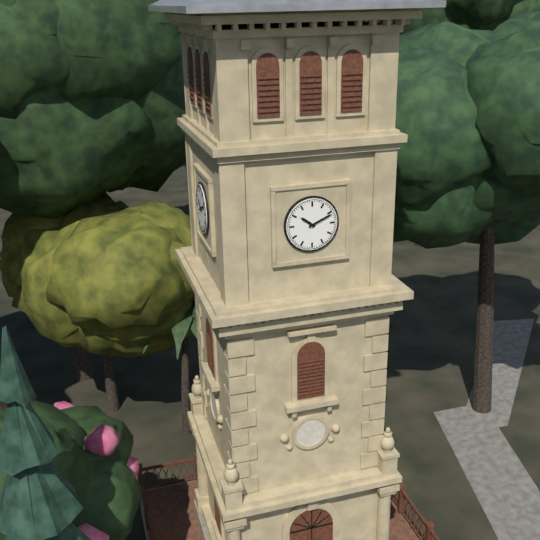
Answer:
10.11
